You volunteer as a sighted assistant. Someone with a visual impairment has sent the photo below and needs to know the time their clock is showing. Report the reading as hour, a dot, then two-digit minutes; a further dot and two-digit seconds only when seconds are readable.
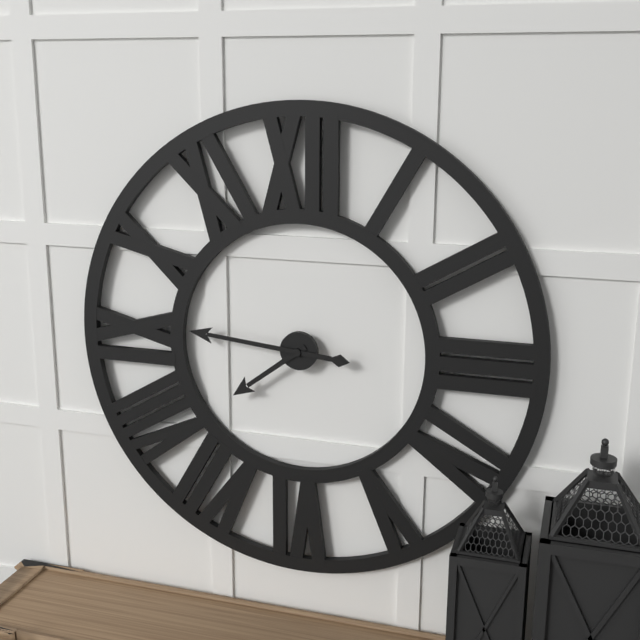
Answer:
7.46
